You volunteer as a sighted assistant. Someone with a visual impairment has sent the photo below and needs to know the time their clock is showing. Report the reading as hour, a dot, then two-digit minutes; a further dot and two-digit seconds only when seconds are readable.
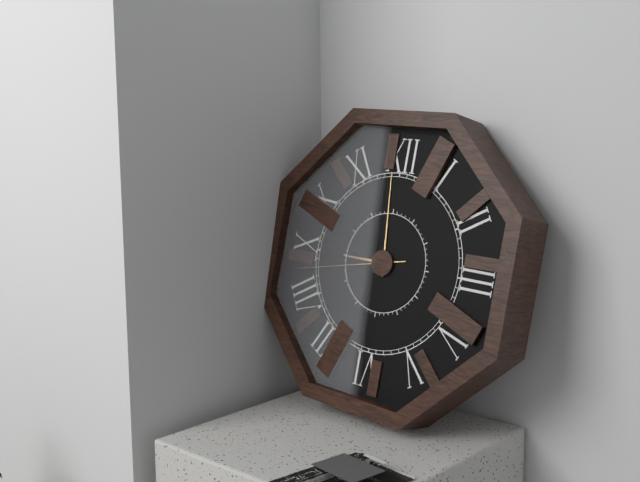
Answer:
8.59.43
